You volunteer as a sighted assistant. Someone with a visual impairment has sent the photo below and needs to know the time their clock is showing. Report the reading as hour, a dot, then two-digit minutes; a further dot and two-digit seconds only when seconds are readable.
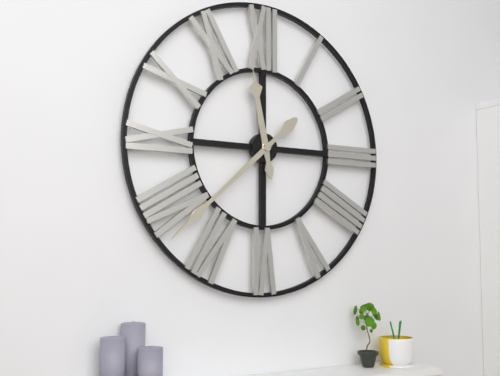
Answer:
11.38
